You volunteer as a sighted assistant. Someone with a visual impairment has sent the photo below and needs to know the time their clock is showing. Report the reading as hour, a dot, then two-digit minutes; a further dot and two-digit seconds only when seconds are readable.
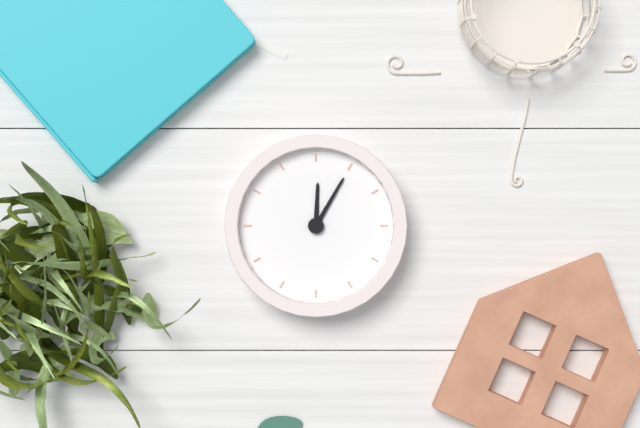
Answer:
12.05
